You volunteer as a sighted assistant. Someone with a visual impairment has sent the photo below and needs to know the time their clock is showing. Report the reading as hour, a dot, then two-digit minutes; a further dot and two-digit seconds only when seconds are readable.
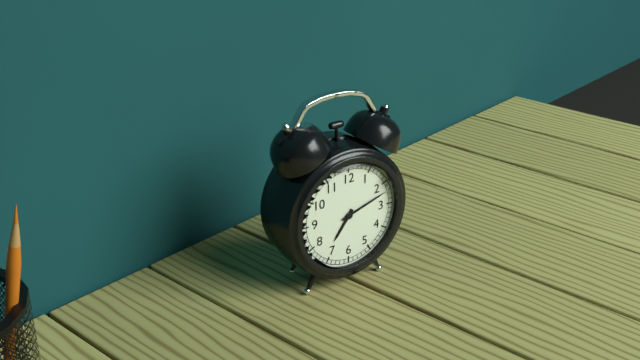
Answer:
7.12
